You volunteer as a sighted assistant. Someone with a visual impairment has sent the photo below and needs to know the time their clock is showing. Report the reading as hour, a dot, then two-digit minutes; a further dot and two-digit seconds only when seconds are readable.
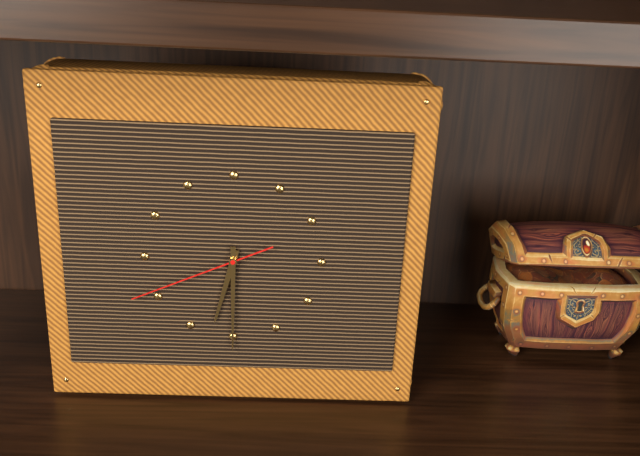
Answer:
6.30.41
